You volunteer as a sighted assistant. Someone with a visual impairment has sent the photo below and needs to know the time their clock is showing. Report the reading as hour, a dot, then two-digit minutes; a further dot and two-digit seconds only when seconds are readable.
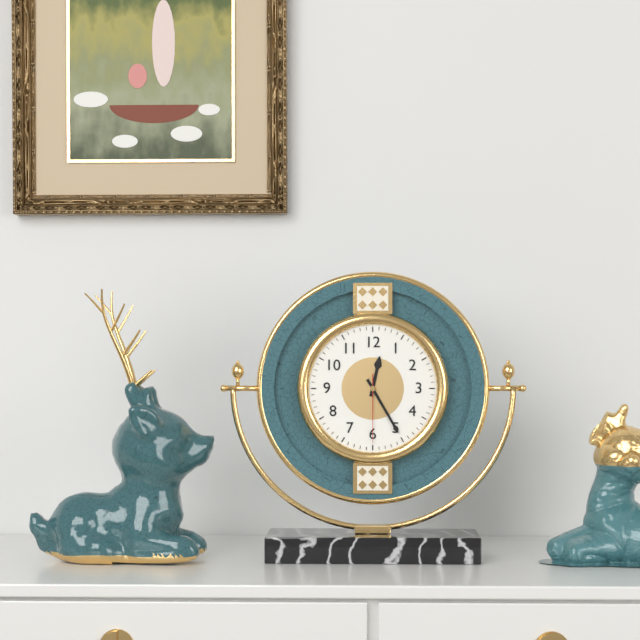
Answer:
12.25.30
